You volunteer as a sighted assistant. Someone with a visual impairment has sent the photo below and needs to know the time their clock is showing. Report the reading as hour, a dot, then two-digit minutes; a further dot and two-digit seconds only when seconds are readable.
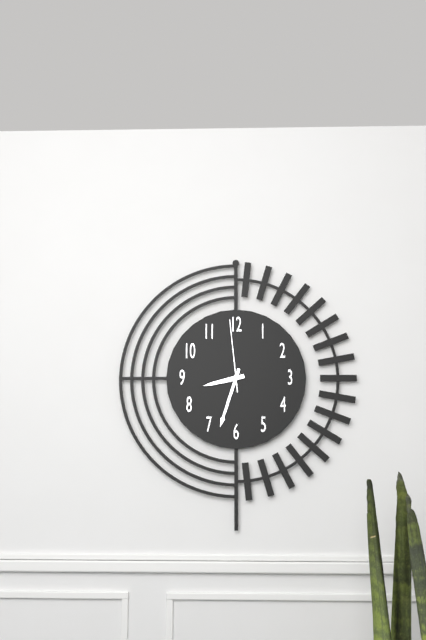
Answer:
8.33.59
